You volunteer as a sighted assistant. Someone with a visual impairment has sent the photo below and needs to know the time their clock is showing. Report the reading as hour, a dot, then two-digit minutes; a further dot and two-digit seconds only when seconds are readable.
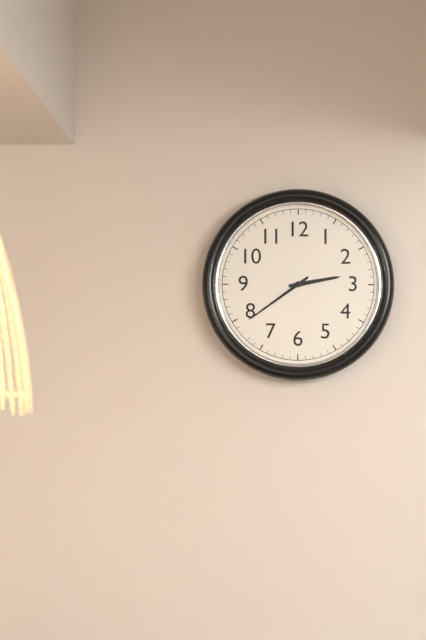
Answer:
2.39
